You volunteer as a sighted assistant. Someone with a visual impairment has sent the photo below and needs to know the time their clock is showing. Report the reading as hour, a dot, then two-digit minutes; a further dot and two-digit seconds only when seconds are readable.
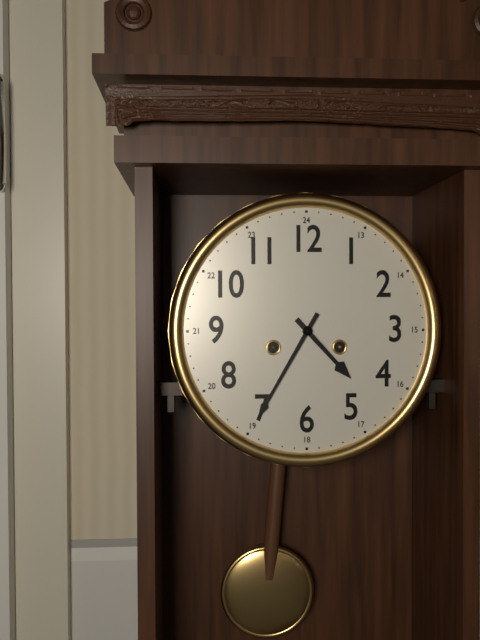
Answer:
4.35
